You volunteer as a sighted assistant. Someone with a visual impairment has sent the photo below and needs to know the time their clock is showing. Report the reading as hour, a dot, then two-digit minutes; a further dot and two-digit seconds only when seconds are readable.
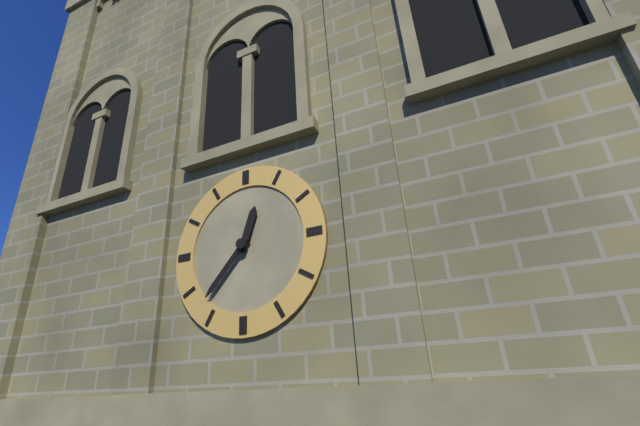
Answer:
12.37
